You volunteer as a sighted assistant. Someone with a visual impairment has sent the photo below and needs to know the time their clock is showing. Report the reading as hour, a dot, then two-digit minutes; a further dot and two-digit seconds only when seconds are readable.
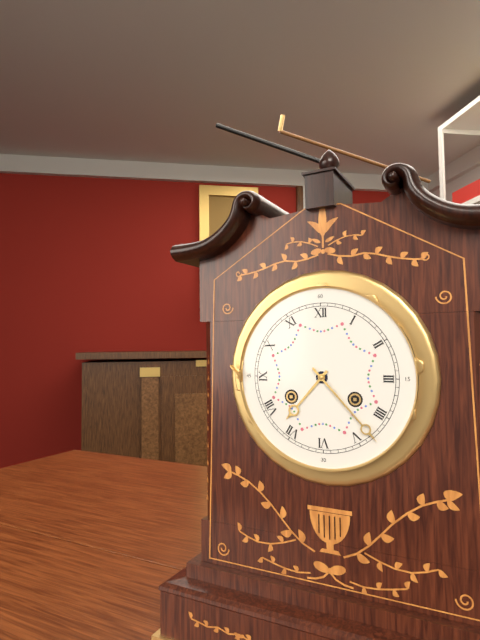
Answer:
7.23
